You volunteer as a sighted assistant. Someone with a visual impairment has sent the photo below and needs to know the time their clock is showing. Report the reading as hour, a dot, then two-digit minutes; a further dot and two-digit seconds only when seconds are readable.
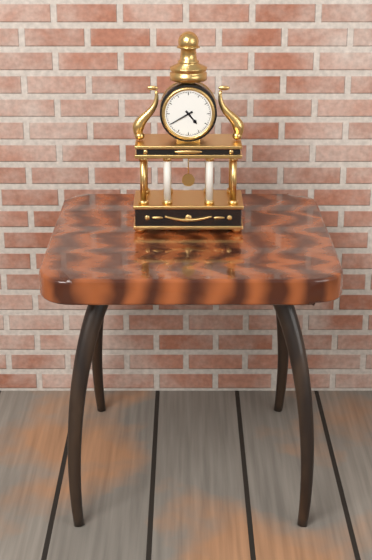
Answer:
4.40
